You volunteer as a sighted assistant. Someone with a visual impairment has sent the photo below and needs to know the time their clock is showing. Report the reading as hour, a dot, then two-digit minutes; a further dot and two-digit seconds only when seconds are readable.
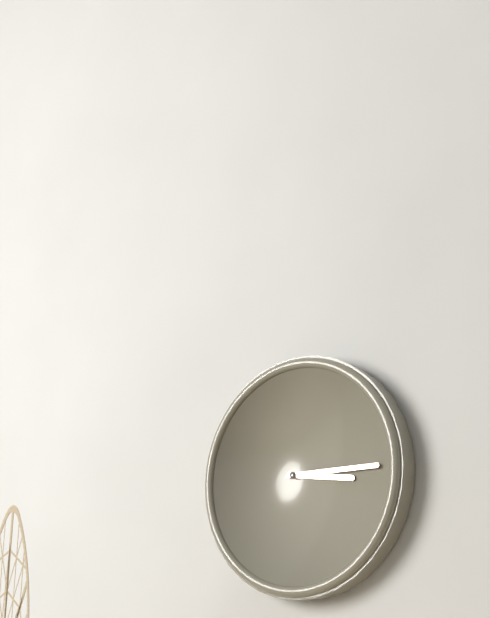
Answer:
3.15
